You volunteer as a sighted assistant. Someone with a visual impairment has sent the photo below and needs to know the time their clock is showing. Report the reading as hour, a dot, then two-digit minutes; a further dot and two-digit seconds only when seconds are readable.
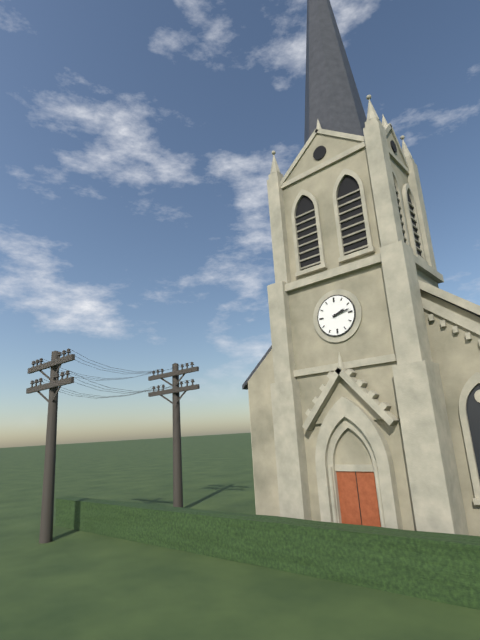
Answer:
2.13
